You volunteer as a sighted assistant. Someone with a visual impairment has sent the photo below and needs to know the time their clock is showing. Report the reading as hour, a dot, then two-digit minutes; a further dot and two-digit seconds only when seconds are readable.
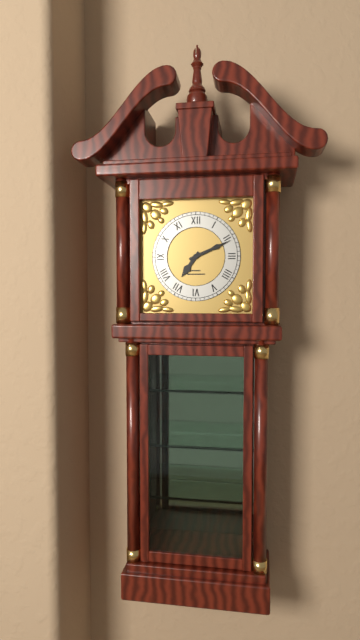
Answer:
7.11
